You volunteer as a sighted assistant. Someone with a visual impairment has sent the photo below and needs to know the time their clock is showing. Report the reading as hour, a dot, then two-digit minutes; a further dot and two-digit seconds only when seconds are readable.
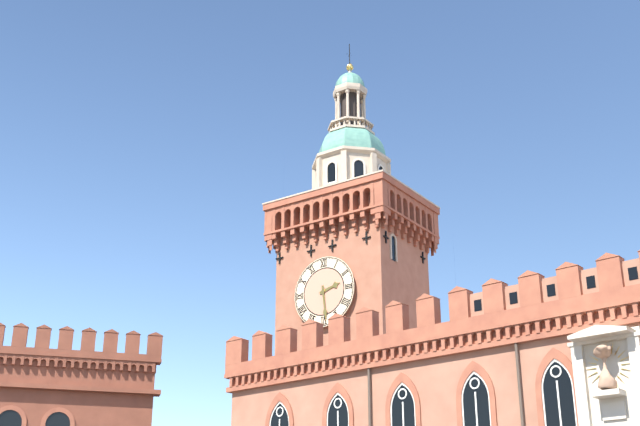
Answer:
2.29
